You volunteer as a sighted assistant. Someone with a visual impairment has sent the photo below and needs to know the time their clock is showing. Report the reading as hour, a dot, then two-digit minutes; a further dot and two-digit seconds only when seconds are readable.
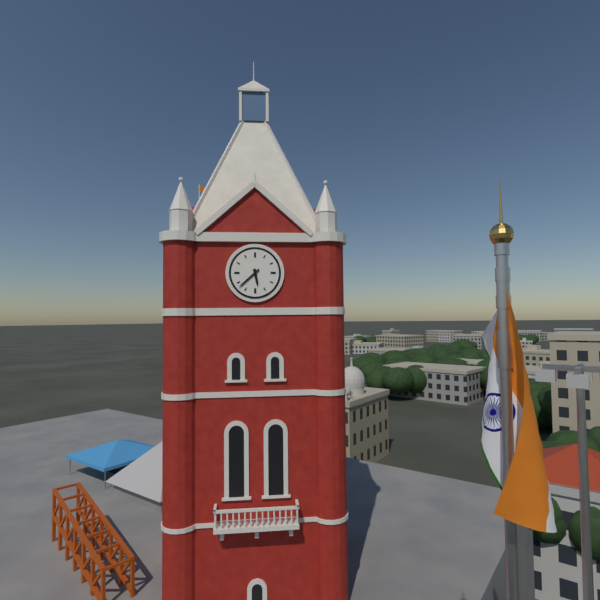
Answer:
5.38
